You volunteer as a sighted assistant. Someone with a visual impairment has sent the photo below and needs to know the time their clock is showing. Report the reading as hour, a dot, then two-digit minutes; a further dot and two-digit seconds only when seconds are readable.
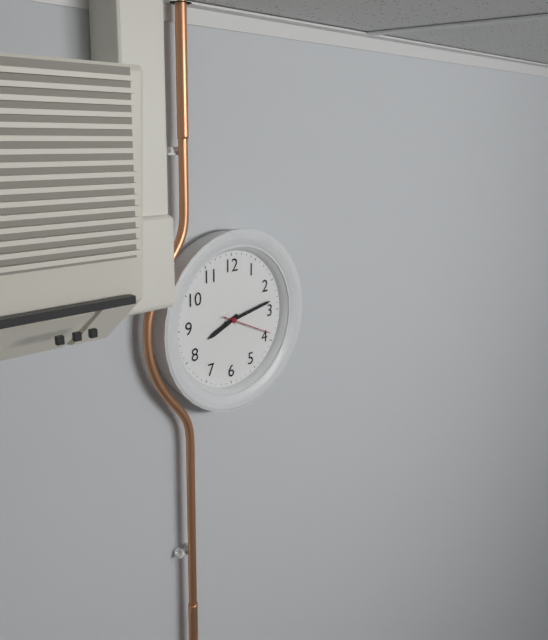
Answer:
8.13.19
